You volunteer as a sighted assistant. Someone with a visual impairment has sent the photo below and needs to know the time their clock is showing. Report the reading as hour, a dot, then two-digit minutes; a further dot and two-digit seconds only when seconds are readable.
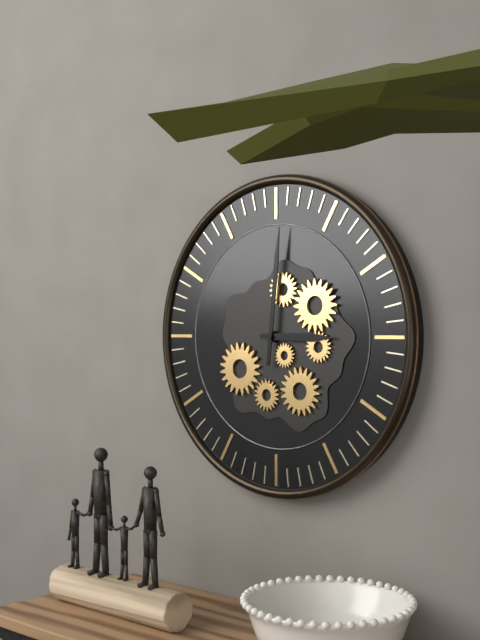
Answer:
3.01
